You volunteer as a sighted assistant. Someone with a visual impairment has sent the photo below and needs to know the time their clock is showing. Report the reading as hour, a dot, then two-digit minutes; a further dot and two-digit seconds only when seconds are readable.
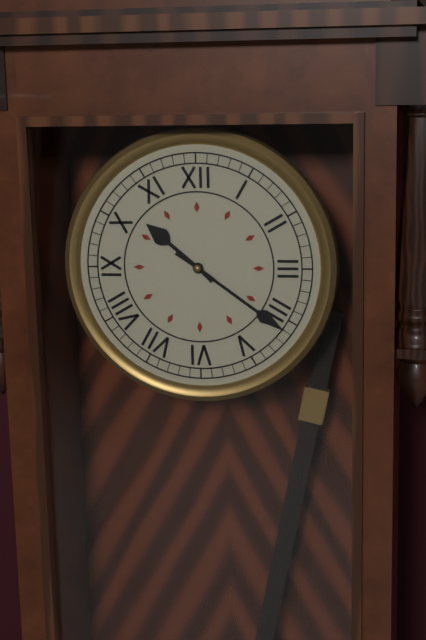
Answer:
10.21
